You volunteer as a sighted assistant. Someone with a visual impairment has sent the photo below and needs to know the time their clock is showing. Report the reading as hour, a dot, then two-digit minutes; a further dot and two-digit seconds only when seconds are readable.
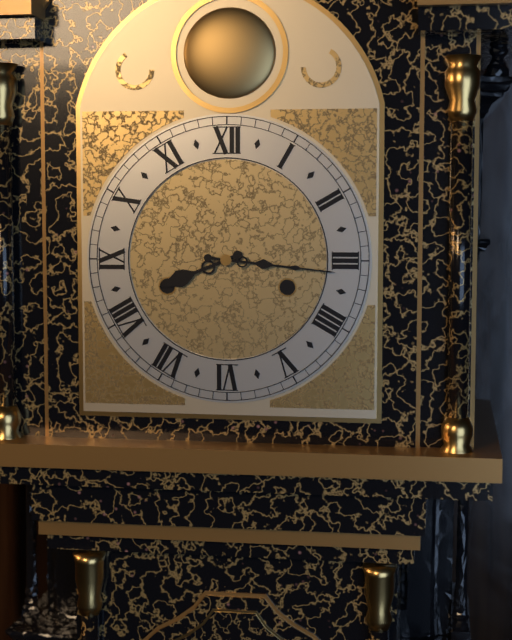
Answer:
8.16
